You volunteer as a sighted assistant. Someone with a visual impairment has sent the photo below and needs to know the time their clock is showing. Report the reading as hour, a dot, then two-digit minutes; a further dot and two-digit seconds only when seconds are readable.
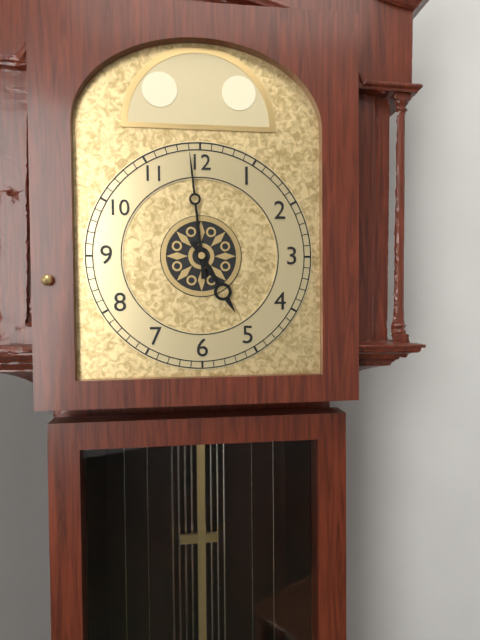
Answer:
4.59
